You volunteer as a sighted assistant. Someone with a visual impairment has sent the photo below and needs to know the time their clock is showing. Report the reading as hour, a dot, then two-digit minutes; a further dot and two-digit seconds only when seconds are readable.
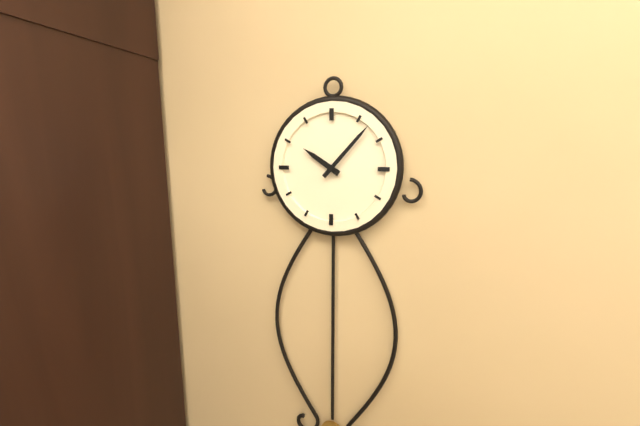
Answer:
10.07
